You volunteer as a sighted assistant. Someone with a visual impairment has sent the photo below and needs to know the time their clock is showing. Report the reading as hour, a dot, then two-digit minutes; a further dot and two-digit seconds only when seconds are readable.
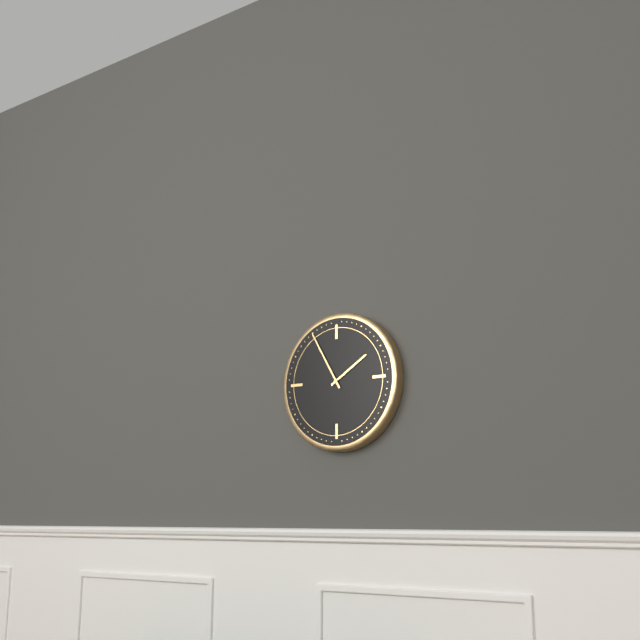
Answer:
1.55
